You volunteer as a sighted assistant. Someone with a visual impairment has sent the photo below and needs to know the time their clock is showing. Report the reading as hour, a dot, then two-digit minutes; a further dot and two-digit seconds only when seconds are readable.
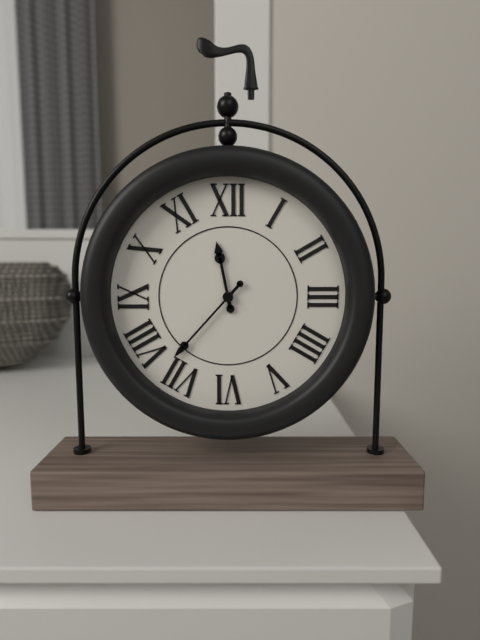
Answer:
11.37
